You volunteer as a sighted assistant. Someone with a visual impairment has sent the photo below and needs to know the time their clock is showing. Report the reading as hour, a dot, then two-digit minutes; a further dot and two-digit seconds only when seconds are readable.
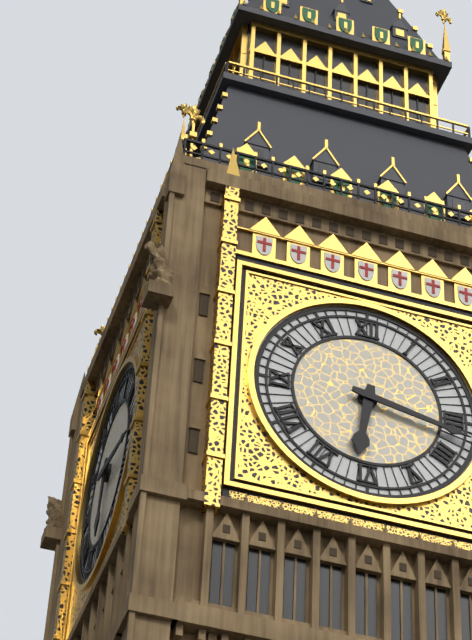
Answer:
6.17
